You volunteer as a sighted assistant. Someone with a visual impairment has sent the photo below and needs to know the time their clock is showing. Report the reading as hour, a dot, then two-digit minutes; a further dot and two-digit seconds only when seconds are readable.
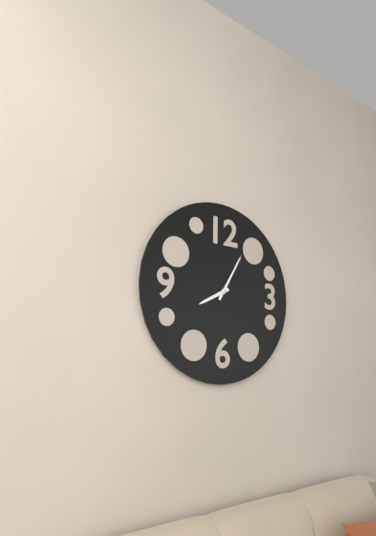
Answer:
8.05
